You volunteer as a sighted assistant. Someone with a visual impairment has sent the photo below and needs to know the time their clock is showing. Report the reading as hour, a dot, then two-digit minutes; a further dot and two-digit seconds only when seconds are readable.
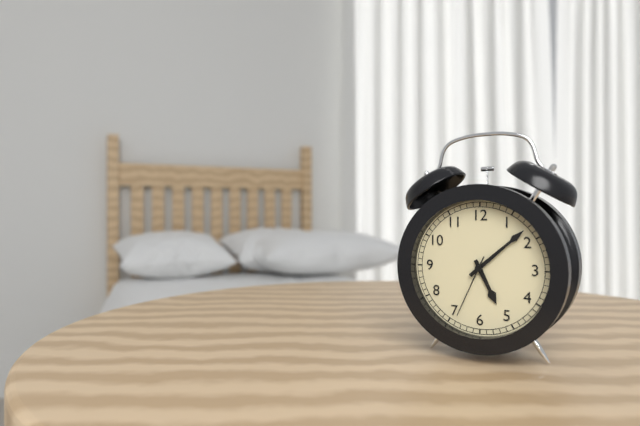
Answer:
5.08.34
